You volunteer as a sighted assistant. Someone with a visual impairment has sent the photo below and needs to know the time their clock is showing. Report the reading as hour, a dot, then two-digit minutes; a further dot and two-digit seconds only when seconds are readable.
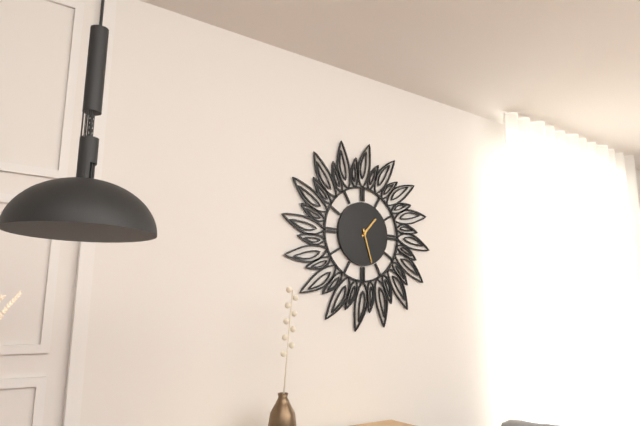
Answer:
1.27
